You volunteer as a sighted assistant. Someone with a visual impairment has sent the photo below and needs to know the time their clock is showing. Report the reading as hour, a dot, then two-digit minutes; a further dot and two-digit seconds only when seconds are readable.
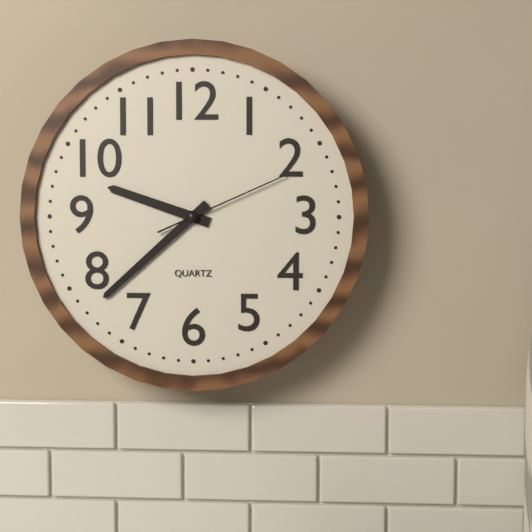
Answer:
9.38.11
